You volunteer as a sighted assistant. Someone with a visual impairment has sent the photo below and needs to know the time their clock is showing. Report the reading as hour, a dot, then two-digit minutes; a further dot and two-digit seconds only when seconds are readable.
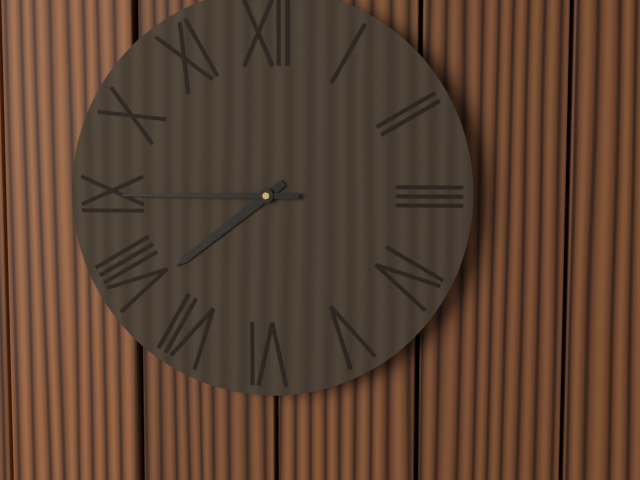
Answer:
7.45
